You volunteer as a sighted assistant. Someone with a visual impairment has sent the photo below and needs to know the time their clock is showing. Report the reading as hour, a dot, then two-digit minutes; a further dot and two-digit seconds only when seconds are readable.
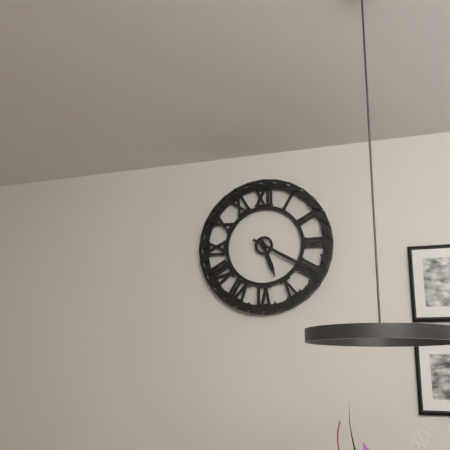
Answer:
5.20
